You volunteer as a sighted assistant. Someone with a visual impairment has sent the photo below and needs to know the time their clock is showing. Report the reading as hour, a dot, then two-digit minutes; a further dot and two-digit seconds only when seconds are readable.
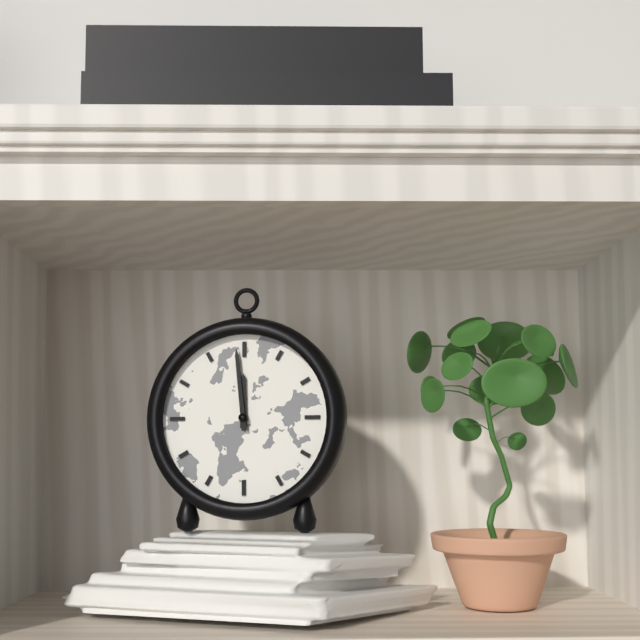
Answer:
11.59
